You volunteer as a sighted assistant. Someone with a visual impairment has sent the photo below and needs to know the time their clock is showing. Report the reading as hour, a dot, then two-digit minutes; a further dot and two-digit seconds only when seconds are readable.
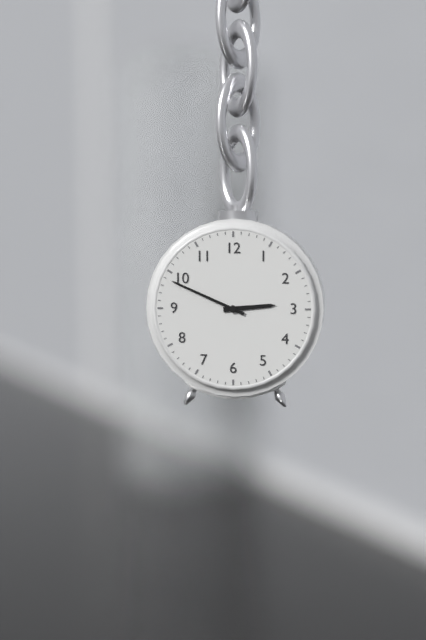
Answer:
2.49
